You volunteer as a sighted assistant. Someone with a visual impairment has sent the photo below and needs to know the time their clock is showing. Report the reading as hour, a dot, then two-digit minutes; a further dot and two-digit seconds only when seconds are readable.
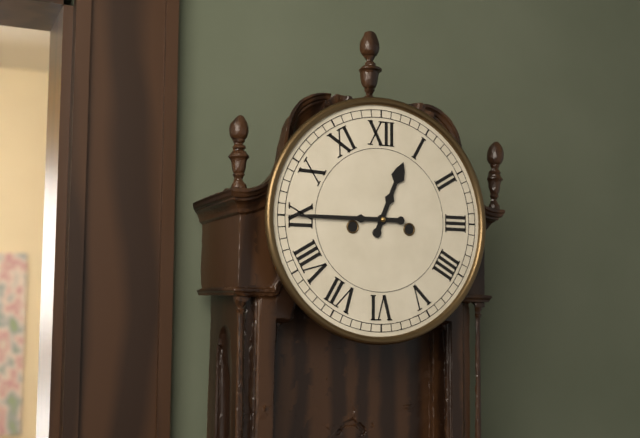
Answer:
12.45
